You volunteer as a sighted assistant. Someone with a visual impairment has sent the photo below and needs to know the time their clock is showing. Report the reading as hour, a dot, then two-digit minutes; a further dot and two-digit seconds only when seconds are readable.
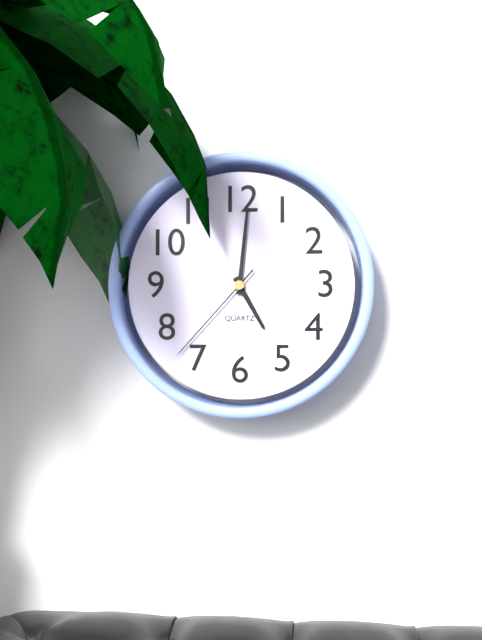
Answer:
5.01.37
